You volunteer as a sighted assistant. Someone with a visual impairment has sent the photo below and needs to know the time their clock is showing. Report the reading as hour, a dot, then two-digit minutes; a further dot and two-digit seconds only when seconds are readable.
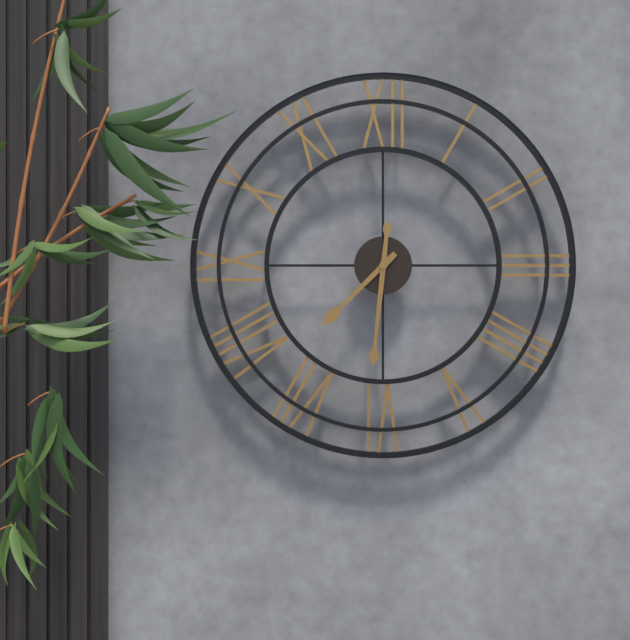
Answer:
7.31
